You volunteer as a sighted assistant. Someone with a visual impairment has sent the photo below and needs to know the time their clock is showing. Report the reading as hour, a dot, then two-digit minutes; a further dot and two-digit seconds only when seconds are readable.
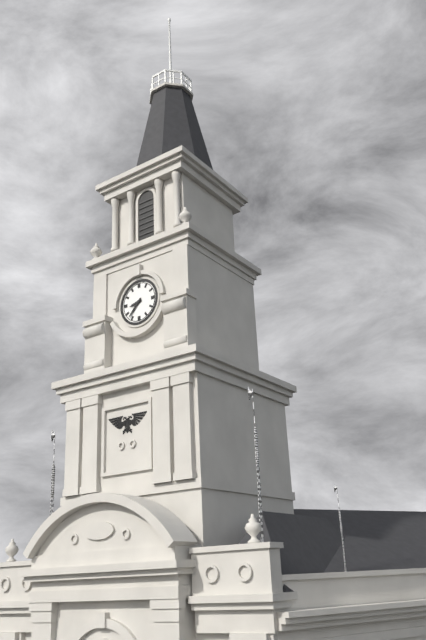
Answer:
8.37
